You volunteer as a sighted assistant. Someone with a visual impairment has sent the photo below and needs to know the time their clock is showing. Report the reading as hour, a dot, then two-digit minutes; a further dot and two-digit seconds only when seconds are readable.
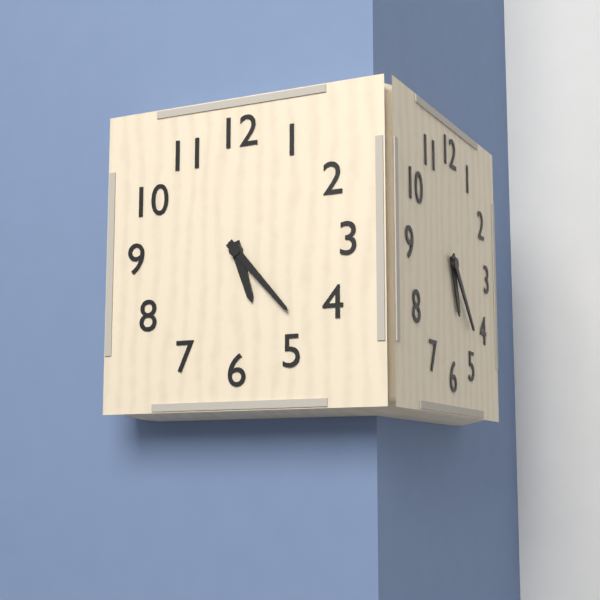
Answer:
5.23
